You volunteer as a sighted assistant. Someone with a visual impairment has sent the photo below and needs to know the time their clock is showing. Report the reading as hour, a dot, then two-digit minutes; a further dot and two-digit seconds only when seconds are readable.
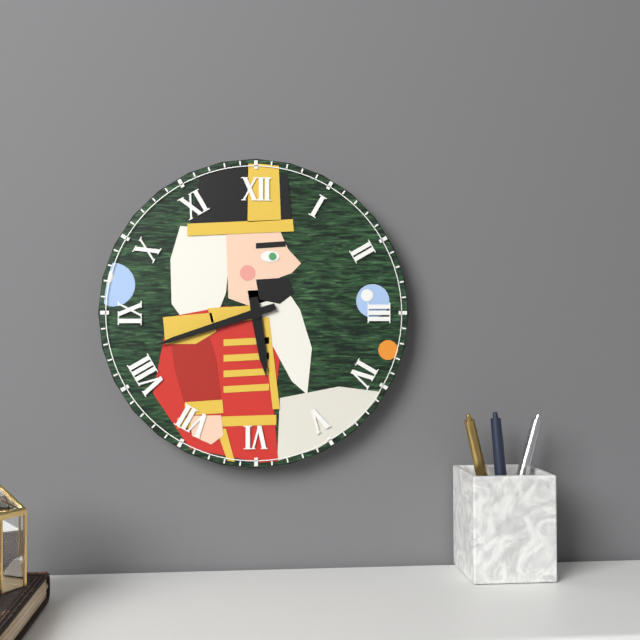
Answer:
5.42
